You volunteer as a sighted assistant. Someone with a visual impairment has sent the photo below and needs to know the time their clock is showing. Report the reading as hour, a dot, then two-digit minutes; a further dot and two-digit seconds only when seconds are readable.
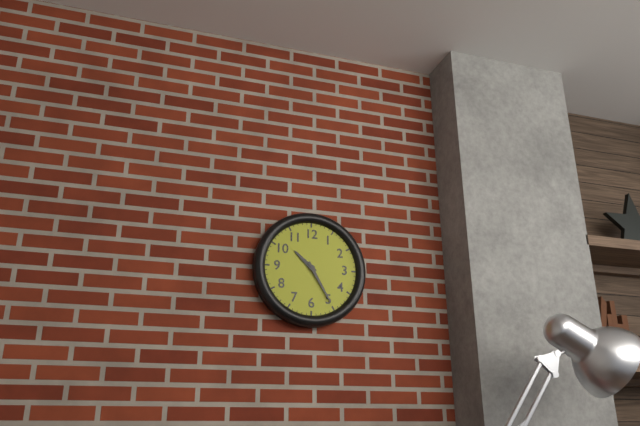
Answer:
10.25
